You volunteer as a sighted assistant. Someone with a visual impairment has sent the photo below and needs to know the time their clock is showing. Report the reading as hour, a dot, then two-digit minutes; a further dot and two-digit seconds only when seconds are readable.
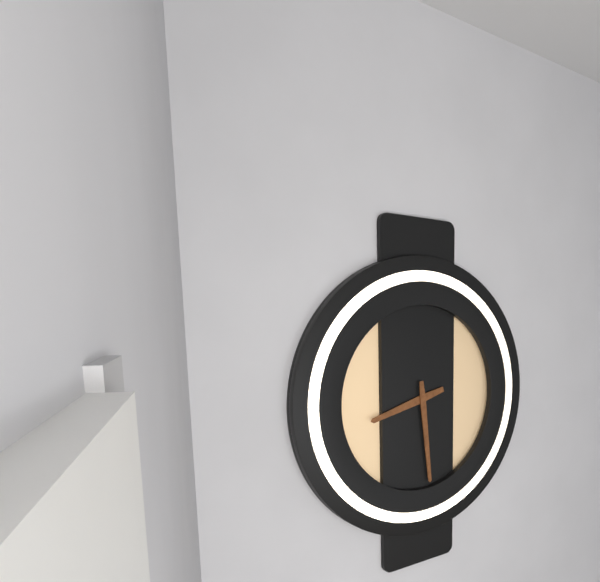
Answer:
8.29
